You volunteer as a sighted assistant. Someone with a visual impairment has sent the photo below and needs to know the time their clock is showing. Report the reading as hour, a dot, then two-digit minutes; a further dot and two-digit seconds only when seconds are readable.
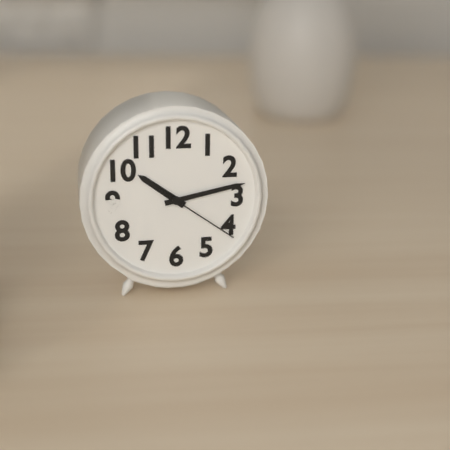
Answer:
10.13.21
